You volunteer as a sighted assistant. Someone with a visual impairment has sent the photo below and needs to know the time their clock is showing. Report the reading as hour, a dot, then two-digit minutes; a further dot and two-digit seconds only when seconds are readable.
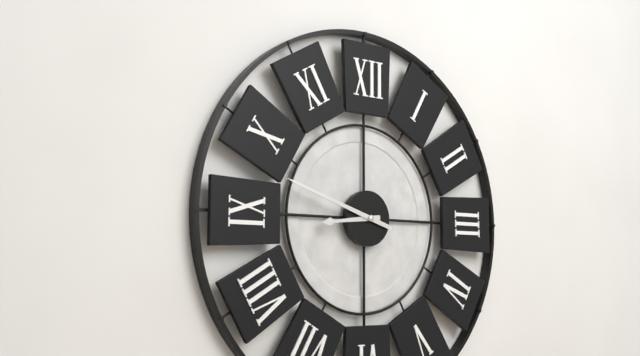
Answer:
8.48
